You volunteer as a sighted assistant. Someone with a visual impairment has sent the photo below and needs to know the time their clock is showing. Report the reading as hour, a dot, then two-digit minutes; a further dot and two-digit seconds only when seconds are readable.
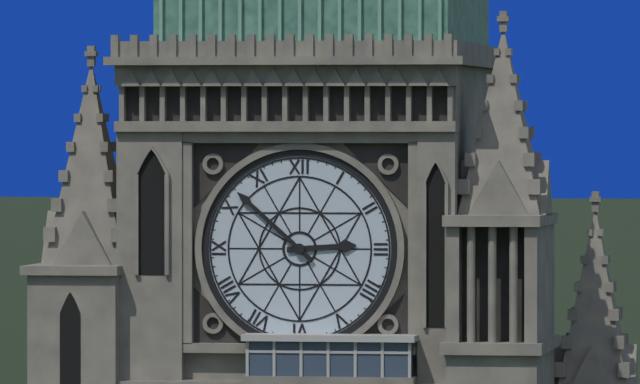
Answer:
2.52
